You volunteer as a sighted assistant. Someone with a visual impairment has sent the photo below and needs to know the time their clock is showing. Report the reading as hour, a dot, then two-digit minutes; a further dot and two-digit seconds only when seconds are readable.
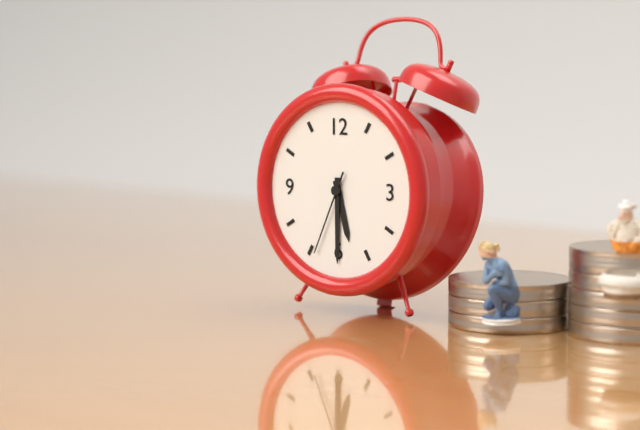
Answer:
5.30.34
